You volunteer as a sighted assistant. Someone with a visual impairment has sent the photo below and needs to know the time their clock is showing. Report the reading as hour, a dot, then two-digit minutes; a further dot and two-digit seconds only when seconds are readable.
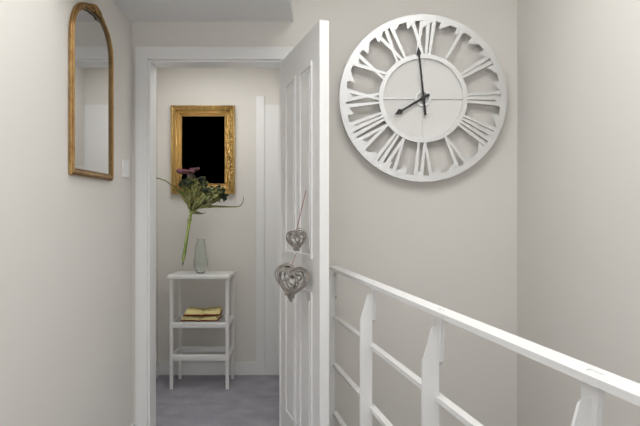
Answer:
7.59
